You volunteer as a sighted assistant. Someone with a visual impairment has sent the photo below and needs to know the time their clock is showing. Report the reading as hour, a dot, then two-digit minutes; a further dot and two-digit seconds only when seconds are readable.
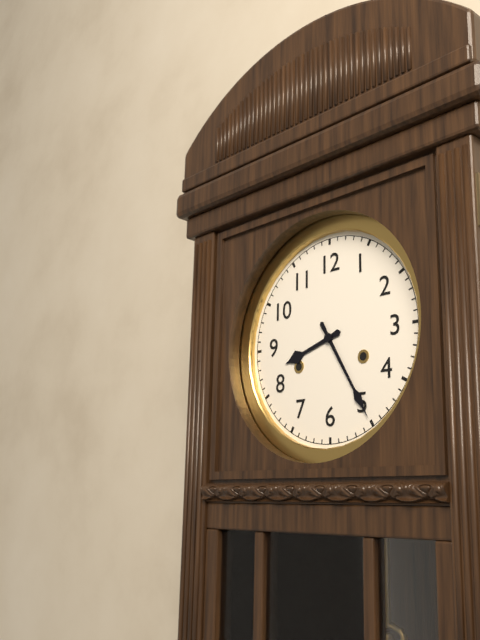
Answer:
8.25
